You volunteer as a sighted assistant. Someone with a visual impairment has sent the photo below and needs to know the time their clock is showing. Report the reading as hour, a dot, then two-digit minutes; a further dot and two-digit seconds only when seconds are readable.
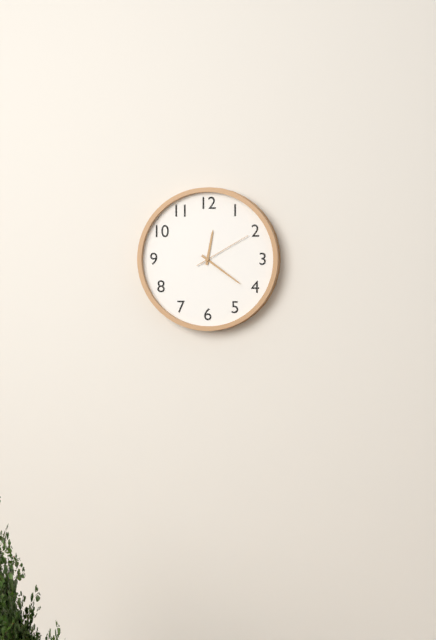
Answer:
12.21.10
